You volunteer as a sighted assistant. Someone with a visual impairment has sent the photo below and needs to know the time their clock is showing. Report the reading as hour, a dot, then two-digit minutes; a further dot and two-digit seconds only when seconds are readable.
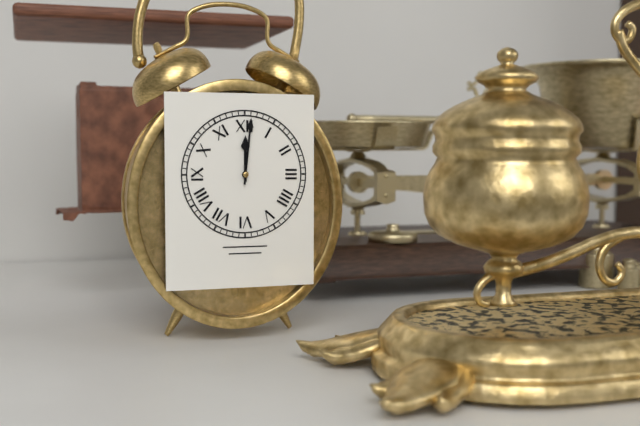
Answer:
12.01
